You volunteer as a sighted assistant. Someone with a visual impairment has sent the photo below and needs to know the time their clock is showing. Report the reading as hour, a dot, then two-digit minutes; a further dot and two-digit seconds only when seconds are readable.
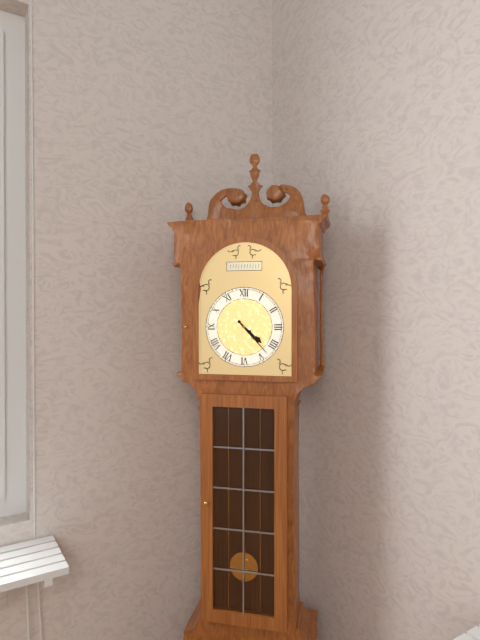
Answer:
4.23
